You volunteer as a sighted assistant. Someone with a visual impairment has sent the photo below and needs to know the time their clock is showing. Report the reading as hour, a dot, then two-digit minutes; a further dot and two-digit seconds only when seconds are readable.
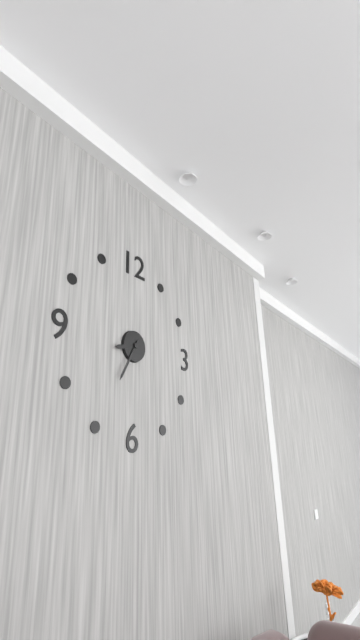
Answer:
8.35
